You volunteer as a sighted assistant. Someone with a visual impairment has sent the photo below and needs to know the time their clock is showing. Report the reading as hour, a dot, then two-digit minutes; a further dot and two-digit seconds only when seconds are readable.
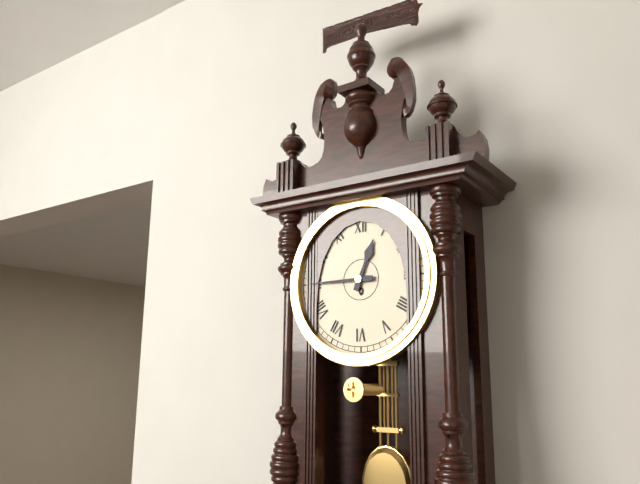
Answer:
12.45
